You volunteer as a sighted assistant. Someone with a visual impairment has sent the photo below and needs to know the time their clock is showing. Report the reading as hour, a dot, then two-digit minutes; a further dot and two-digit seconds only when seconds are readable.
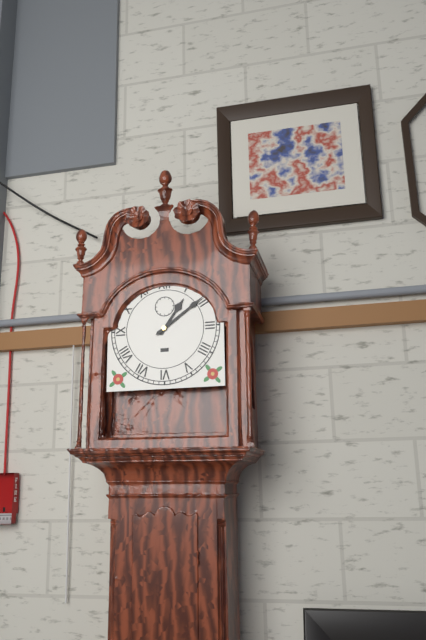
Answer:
1.09
